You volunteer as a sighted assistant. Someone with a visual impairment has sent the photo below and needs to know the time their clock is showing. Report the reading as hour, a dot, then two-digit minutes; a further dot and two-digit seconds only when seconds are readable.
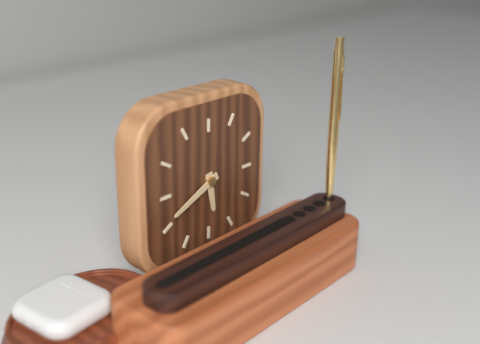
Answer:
5.41
